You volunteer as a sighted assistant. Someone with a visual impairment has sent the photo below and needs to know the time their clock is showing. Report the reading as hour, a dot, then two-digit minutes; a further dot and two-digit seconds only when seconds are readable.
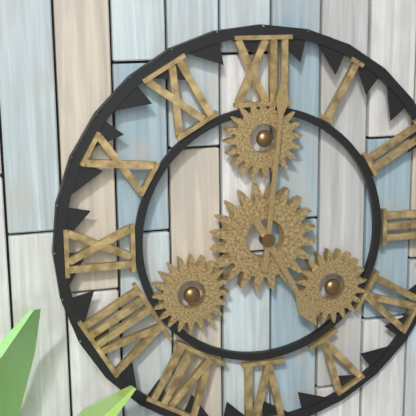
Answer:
5.01
